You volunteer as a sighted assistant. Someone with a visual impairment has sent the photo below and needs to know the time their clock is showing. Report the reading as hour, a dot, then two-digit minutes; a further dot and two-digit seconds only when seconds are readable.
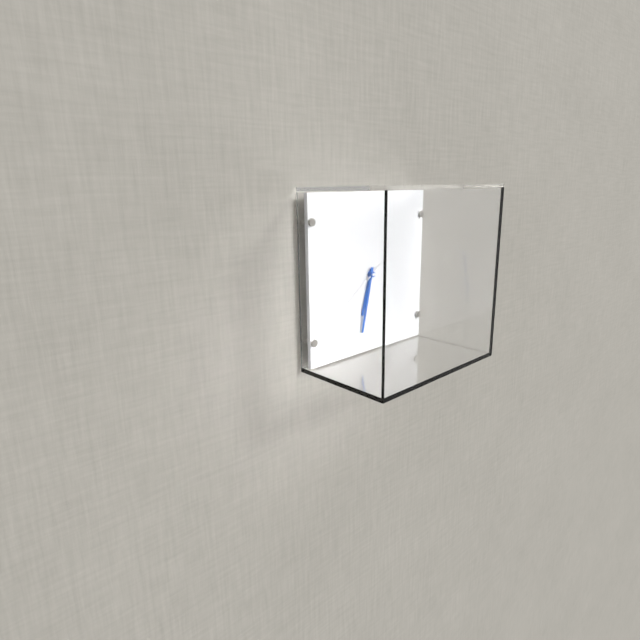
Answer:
6.32.39
